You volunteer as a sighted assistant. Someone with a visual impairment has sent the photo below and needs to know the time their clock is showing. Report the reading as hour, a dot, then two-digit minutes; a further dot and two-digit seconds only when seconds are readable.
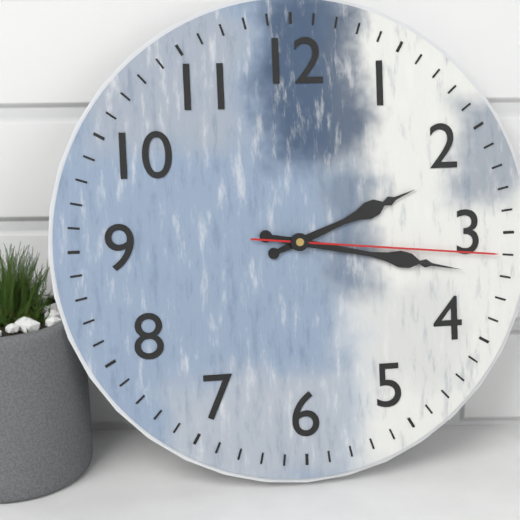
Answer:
2.17.16
